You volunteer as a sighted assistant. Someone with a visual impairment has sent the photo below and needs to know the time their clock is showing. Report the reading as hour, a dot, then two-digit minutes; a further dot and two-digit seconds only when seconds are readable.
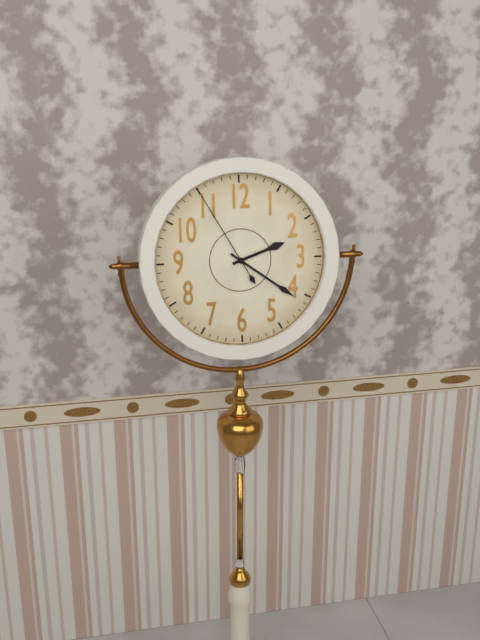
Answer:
2.21.55
